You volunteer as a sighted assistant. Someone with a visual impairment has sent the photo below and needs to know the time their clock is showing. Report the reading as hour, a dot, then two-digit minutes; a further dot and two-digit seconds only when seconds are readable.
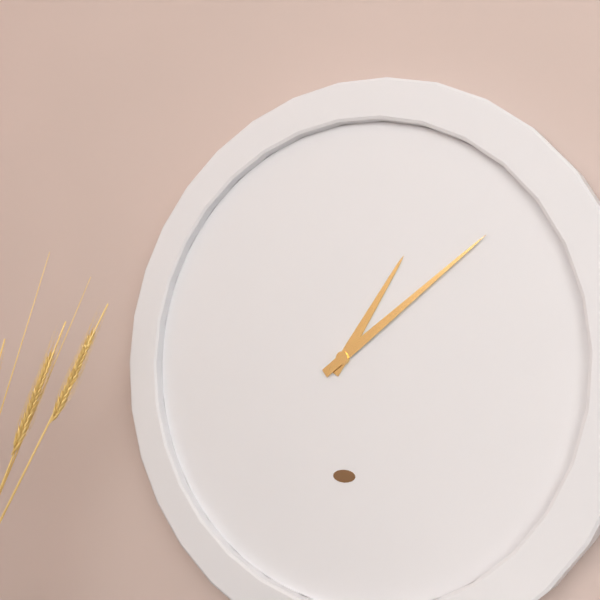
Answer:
1.09
